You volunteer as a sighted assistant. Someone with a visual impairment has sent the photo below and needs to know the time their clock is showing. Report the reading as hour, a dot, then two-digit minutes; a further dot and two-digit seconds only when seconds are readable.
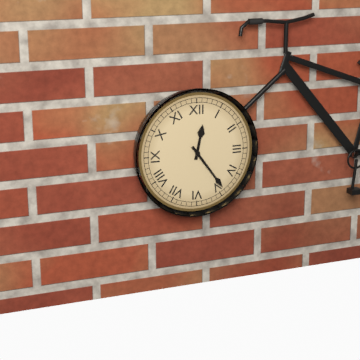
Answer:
12.24
